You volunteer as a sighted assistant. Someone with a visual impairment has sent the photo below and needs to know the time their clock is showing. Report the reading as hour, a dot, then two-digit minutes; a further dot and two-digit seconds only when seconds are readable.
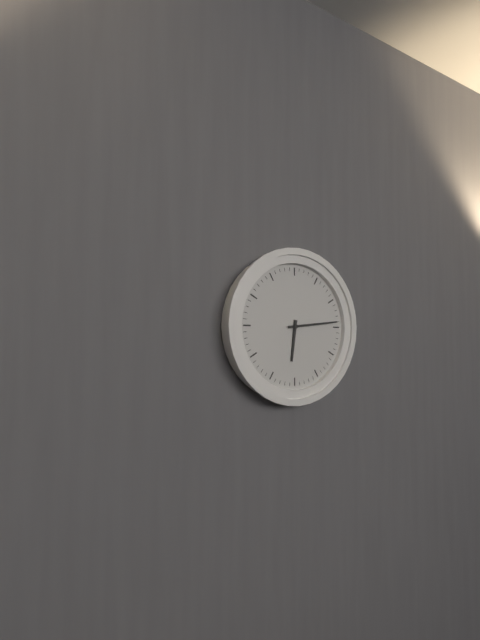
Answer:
6.14
